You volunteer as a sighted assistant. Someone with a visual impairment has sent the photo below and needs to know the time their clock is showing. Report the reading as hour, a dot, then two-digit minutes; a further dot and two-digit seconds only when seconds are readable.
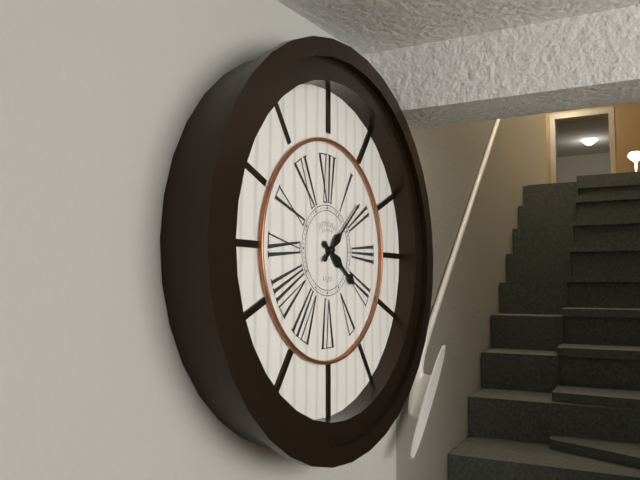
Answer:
4.08
